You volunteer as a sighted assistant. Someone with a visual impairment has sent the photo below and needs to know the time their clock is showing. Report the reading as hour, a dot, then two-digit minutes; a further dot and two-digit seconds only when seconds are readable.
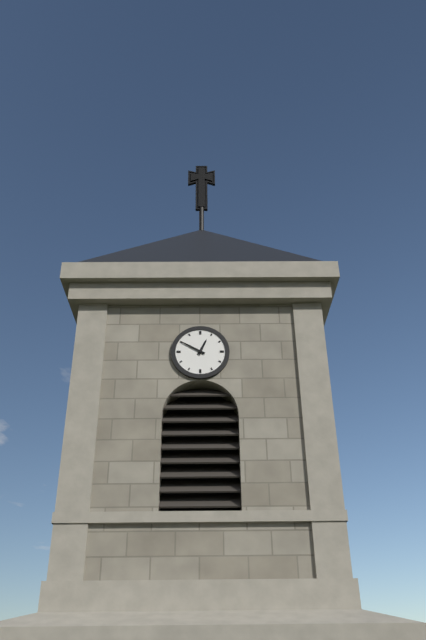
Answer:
12.50
